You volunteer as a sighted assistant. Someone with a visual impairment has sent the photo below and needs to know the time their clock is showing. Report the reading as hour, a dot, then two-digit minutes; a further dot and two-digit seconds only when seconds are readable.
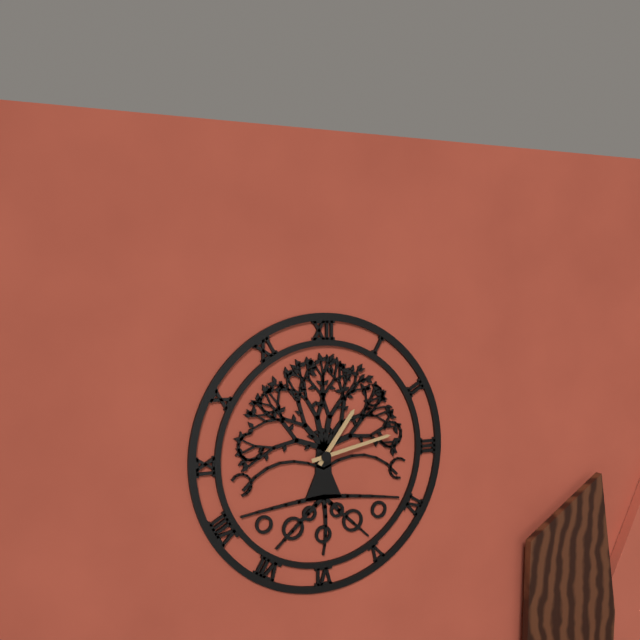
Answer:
1.13
